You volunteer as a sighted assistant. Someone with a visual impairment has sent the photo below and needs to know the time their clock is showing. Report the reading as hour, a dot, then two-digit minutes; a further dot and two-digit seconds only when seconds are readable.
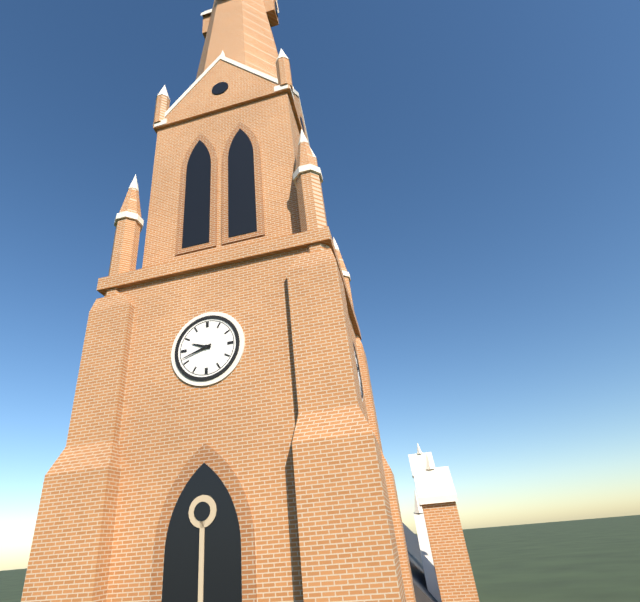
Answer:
9.42
